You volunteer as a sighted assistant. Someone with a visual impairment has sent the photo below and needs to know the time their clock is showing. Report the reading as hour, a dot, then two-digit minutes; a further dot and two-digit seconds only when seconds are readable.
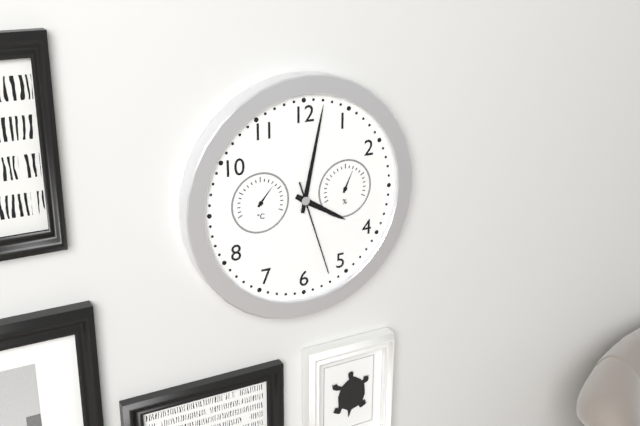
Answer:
4.02.27
